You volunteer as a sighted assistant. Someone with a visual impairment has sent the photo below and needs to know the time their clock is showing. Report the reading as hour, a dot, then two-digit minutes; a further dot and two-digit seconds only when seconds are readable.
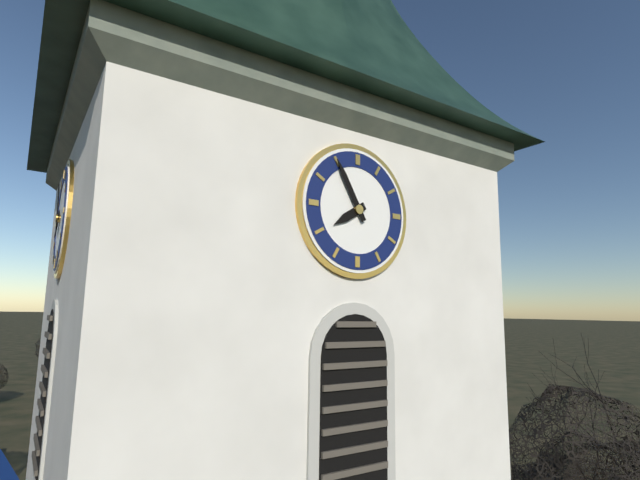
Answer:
7.55
